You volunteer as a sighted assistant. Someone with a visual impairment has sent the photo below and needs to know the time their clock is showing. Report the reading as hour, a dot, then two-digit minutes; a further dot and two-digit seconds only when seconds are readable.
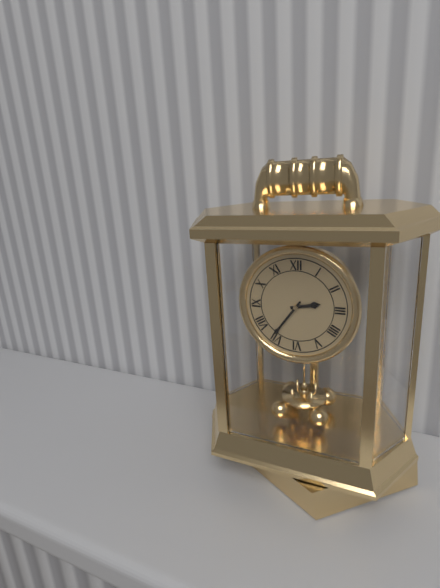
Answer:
2.36
